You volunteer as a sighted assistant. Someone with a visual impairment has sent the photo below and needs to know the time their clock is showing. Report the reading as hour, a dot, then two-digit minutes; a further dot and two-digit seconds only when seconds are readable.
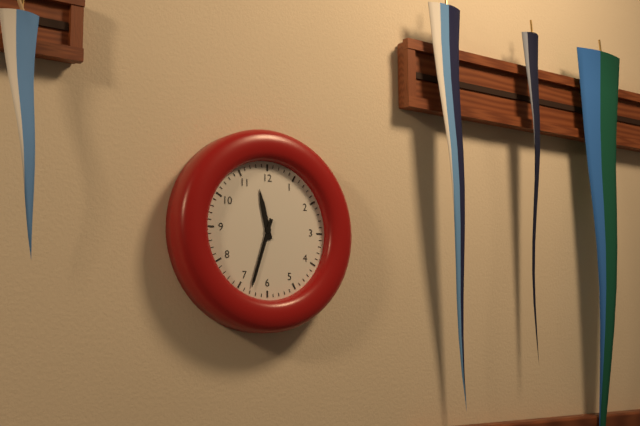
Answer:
11.33
